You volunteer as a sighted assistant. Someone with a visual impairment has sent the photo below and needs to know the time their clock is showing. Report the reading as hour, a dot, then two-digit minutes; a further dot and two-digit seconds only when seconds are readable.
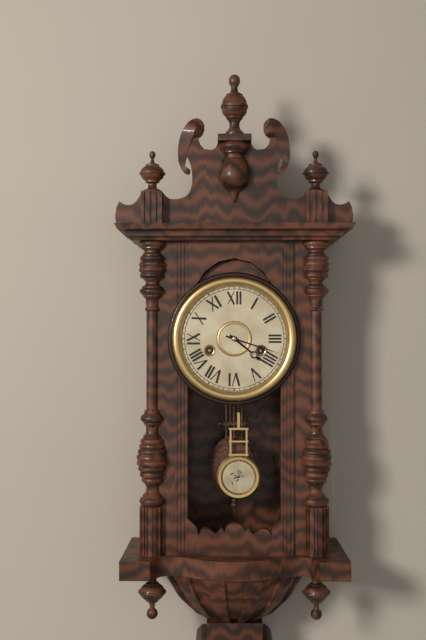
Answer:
4.18
